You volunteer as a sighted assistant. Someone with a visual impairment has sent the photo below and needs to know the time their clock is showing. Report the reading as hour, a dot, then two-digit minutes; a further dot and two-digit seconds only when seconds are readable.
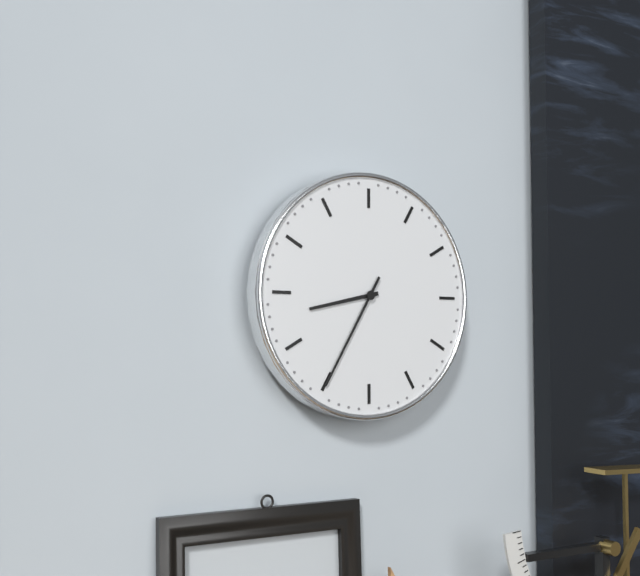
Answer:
8.35
